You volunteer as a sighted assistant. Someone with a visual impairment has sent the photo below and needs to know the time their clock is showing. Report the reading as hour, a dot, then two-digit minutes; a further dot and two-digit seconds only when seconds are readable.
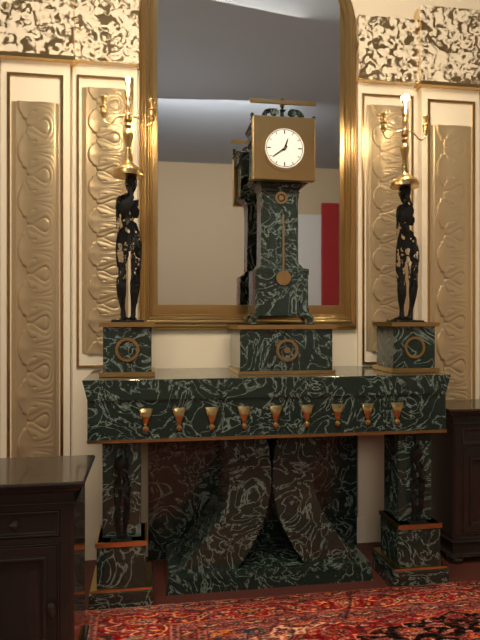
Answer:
12.39
